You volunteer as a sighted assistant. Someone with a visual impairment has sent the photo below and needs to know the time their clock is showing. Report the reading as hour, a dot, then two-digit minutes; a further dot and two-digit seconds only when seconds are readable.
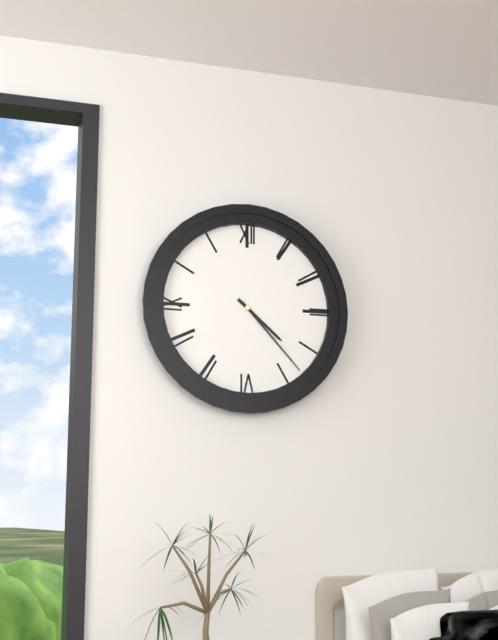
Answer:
4.23
